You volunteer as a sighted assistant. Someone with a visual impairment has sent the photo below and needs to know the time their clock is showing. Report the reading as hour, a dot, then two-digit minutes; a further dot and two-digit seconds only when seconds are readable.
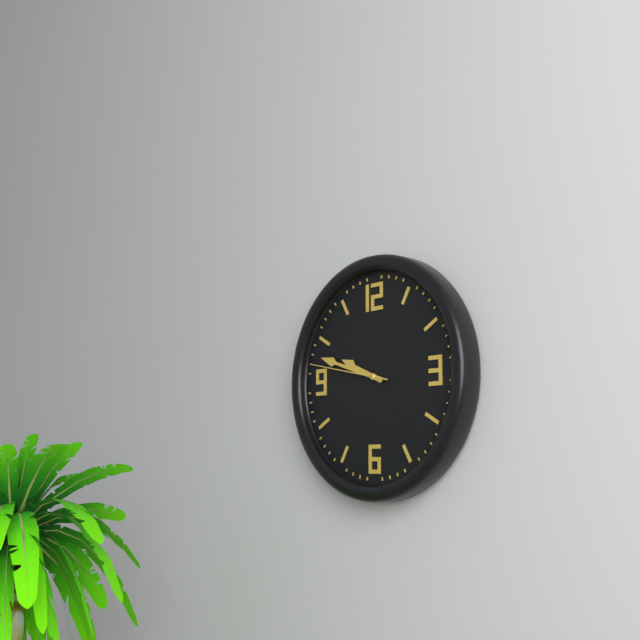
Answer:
9.48.47
